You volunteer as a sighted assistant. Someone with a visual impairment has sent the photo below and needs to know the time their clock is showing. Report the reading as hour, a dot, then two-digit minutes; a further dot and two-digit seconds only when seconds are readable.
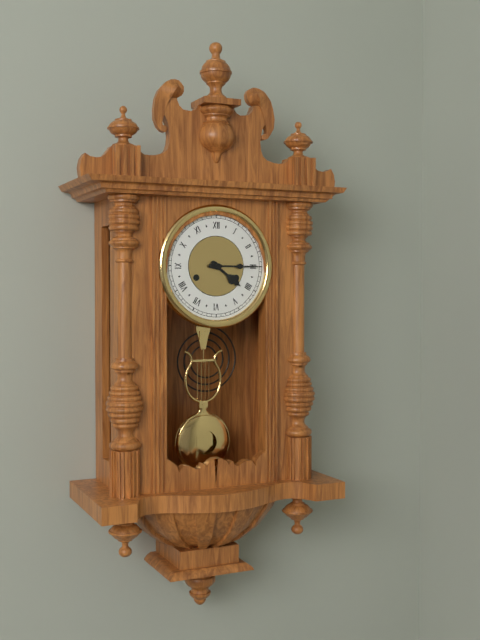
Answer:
4.15
